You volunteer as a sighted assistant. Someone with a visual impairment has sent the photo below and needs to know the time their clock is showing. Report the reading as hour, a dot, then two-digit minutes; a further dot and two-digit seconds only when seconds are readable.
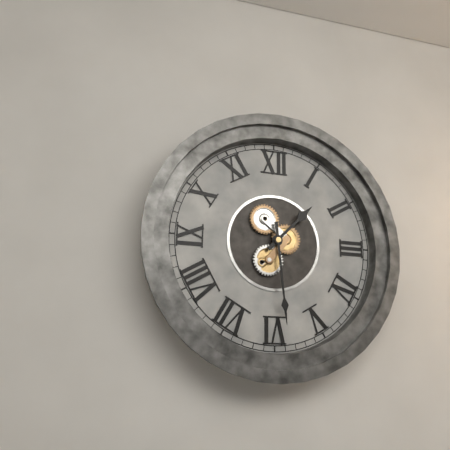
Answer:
1.29
